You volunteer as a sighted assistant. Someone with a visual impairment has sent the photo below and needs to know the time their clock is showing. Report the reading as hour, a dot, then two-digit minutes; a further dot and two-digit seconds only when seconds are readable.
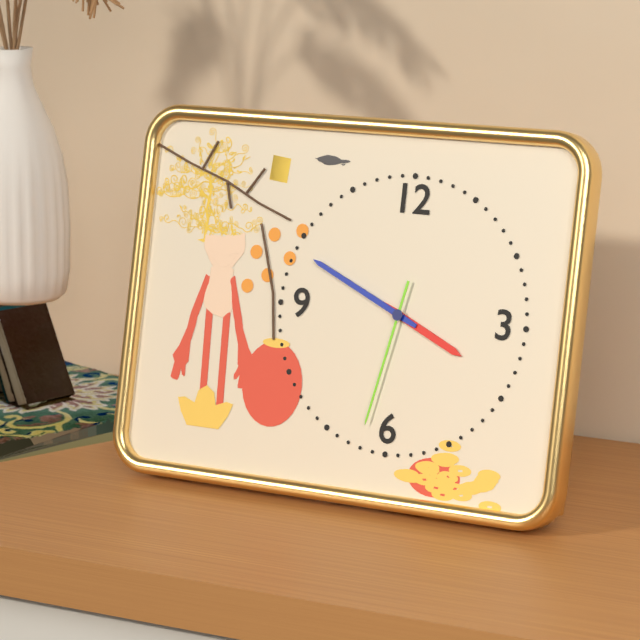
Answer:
3.49.32
